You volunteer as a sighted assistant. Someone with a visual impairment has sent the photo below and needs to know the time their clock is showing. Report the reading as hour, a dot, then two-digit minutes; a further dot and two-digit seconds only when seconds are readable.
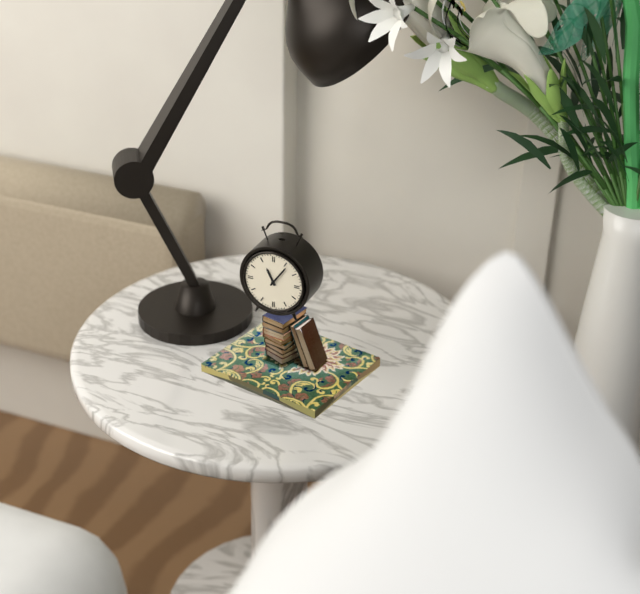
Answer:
11.06
